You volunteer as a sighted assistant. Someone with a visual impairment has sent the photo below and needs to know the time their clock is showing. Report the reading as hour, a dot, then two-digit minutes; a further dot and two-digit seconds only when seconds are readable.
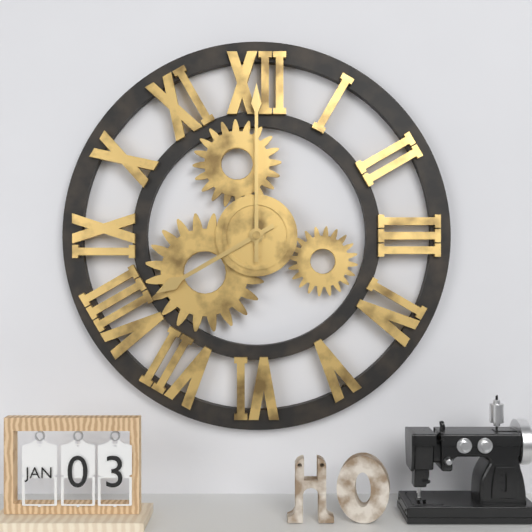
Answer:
8.00
